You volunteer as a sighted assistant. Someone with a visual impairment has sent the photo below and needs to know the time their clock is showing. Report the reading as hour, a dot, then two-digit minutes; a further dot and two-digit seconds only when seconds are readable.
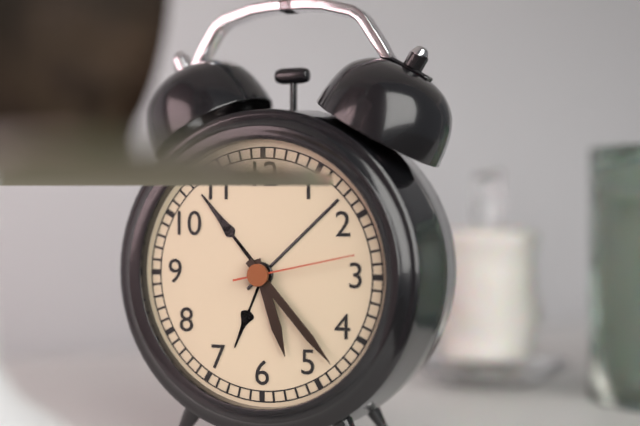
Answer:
5.23.13
